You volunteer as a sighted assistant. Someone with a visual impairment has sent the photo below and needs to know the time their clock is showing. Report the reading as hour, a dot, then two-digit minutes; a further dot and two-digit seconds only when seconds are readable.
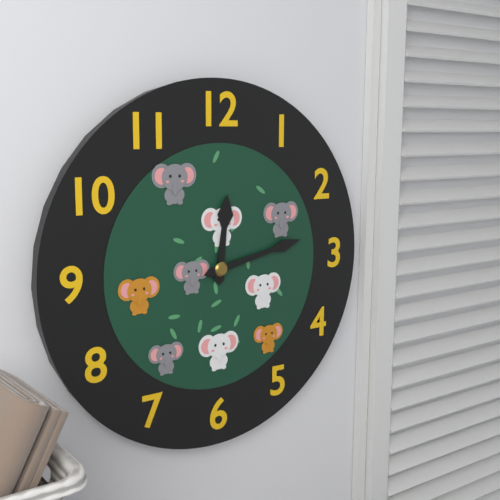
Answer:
12.13
